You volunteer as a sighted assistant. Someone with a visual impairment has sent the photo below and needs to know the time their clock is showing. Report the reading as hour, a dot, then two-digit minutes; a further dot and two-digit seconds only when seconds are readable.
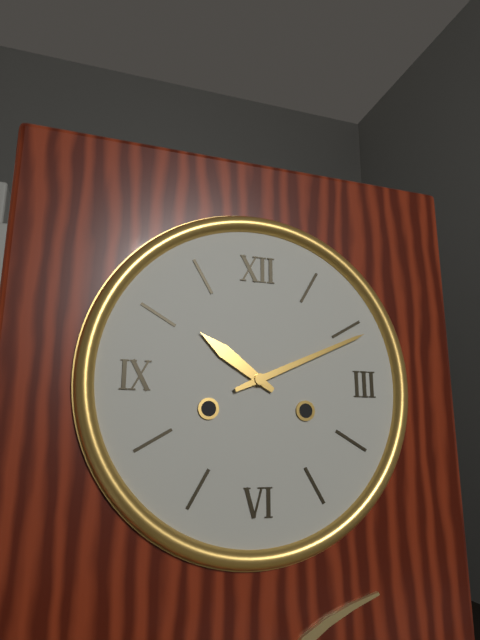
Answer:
10.11
